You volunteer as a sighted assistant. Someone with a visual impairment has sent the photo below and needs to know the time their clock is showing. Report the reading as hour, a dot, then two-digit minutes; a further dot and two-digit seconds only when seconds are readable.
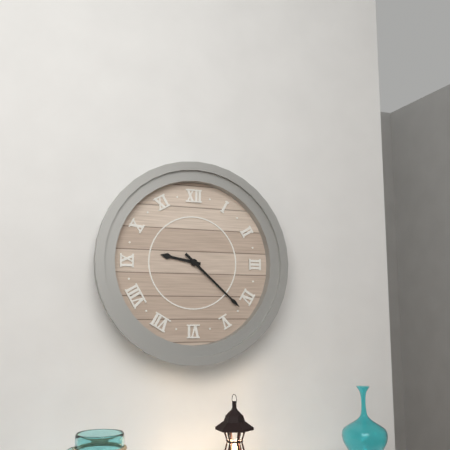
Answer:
9.22
